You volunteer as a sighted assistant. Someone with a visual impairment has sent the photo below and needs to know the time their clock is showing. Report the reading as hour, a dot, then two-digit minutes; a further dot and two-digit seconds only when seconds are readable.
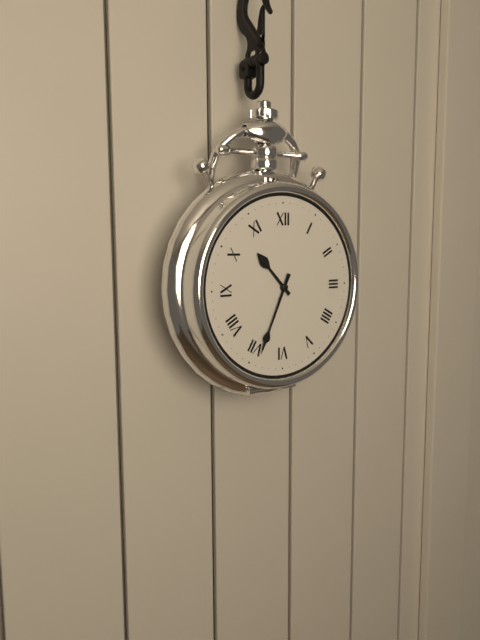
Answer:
10.34
